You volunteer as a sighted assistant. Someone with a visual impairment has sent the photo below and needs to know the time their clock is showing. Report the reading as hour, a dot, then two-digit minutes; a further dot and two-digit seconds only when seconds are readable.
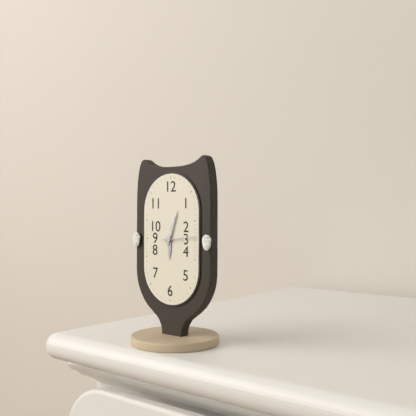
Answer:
6.03
